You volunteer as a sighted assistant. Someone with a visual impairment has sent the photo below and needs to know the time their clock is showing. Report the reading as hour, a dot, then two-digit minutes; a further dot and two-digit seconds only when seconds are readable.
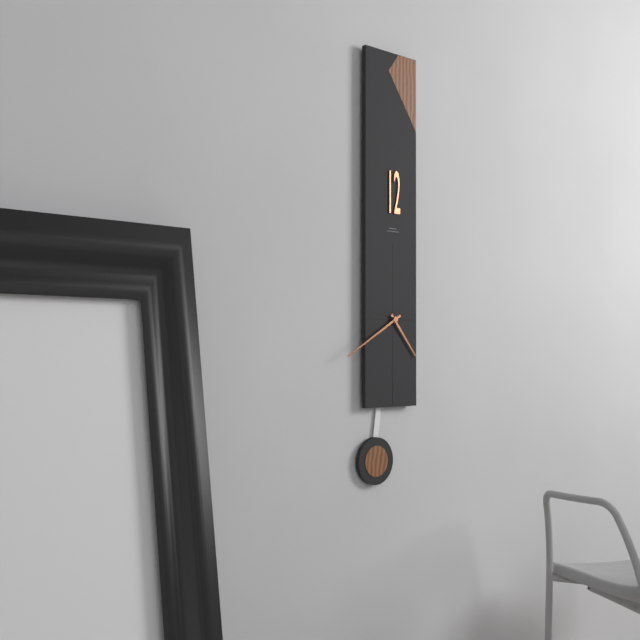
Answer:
4.40
